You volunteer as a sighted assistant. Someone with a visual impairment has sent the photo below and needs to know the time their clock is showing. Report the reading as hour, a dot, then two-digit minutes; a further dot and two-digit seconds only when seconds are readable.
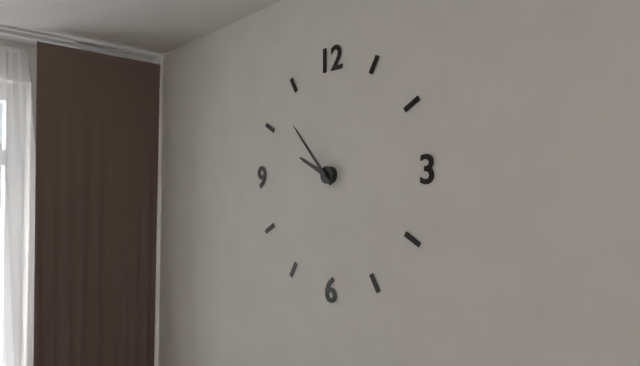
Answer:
9.53
